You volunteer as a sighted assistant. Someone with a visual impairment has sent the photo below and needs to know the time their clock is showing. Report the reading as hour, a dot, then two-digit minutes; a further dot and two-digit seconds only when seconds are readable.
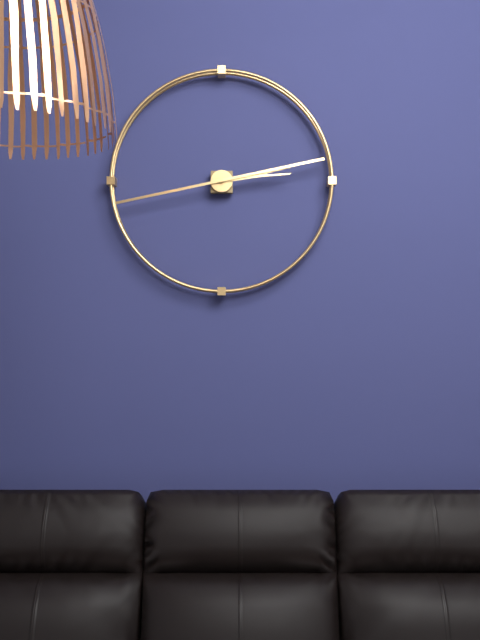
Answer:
2.43
